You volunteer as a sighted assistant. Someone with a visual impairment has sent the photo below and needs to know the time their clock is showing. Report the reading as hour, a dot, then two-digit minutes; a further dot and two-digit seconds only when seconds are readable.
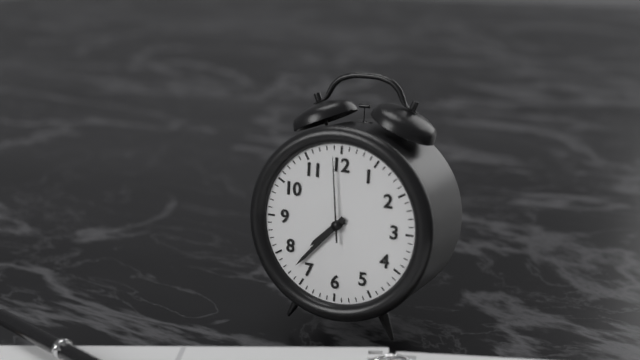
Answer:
7.37.59
